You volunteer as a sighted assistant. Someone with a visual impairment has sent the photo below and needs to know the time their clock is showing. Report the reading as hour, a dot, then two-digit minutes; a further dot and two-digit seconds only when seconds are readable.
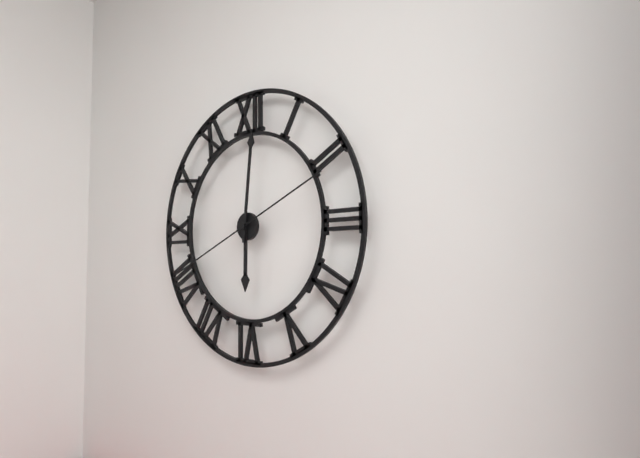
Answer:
6.01.41
